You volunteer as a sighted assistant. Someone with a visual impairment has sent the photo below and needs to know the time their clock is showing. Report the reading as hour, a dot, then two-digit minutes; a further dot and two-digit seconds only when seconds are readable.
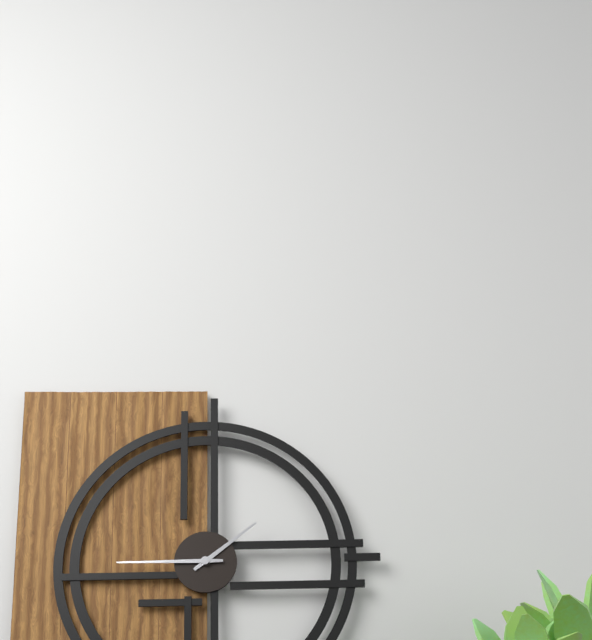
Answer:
1.45
